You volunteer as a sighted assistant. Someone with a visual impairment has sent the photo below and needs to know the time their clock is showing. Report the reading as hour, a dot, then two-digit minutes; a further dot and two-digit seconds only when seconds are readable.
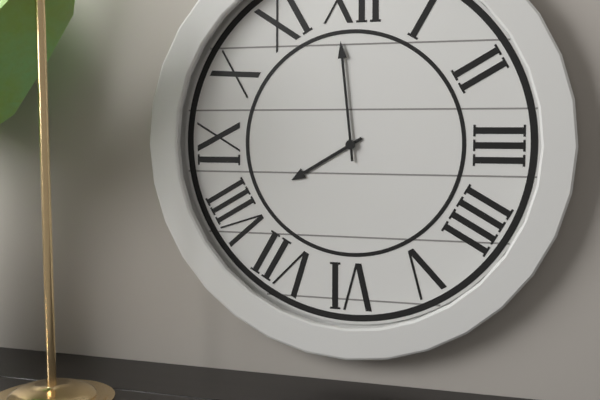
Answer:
7.59
